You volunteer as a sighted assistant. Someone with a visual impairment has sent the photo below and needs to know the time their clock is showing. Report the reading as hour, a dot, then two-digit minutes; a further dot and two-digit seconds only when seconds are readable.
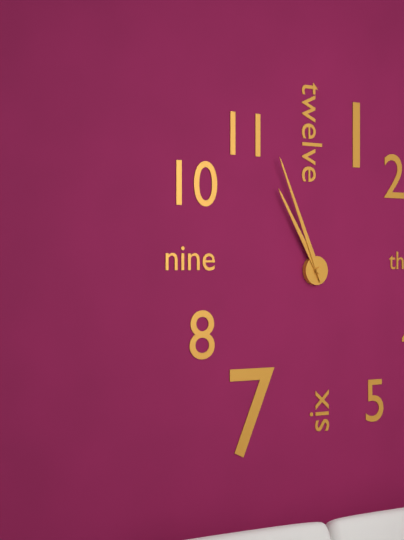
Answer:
10.56
